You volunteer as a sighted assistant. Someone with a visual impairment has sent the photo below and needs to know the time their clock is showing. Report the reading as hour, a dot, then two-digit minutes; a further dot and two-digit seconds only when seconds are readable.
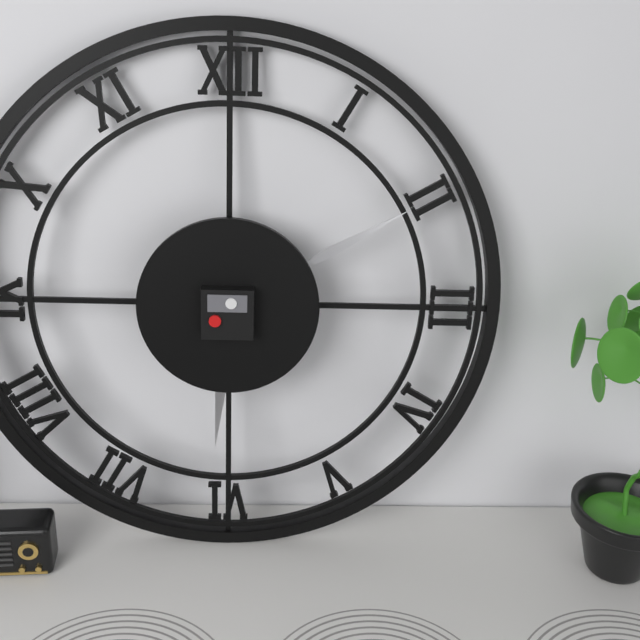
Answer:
6.10
